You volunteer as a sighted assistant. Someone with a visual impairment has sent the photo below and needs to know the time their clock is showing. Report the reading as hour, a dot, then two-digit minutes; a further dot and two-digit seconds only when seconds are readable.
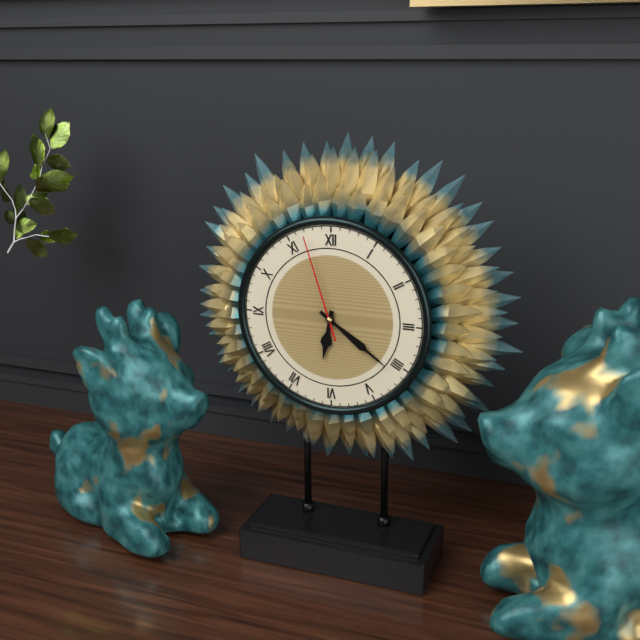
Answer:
6.21.57
